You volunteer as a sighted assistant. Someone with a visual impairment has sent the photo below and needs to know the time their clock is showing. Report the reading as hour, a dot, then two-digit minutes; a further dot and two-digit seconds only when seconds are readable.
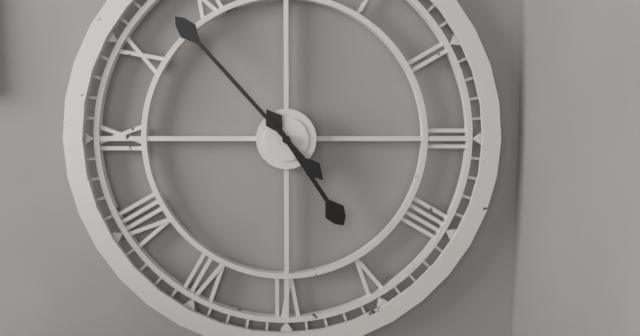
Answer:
4.53
